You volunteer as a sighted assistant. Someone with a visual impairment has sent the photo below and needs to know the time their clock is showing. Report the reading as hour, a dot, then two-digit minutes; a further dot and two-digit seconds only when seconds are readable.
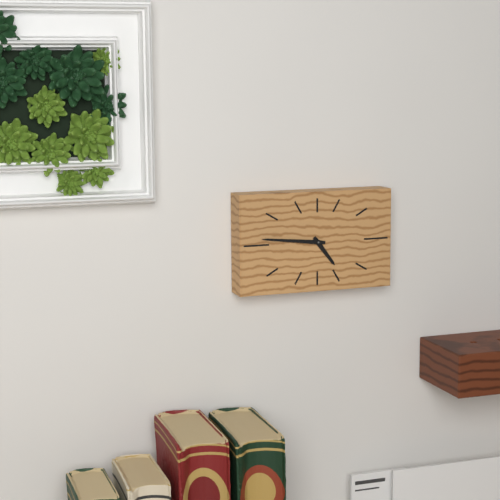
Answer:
4.46
